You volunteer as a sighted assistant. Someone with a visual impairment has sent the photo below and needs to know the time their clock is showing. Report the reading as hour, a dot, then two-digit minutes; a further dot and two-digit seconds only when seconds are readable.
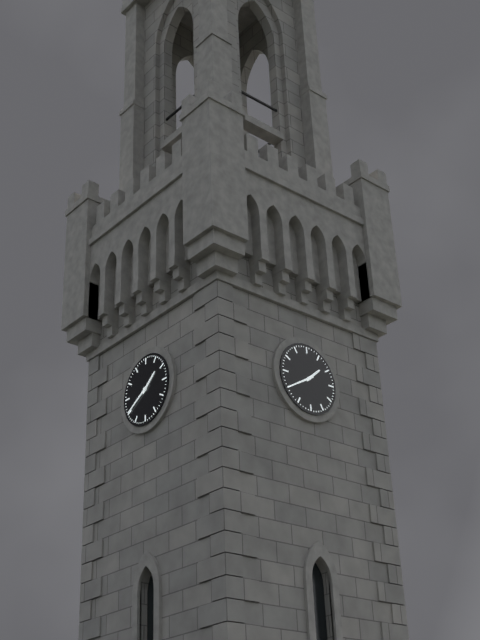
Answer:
1.40
